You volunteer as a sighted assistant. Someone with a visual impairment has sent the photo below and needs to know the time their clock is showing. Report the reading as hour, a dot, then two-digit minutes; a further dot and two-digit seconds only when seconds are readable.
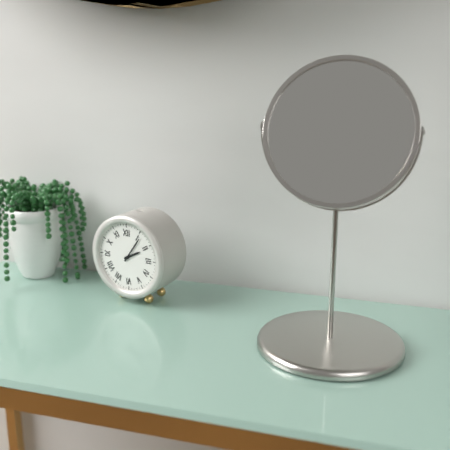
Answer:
2.06
